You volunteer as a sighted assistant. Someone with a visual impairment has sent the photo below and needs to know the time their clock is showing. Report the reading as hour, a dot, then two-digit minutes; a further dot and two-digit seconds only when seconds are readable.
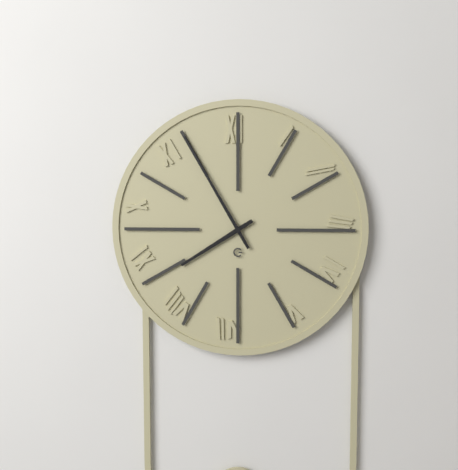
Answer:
7.55
